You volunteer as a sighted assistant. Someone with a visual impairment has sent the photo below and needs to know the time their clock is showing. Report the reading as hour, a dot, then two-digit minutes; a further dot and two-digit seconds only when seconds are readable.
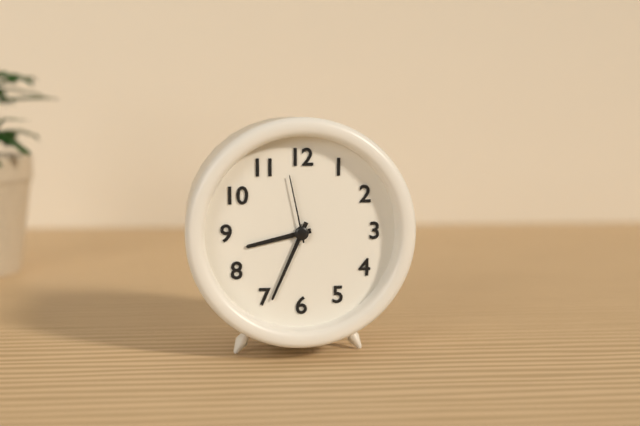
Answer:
8.34.58
